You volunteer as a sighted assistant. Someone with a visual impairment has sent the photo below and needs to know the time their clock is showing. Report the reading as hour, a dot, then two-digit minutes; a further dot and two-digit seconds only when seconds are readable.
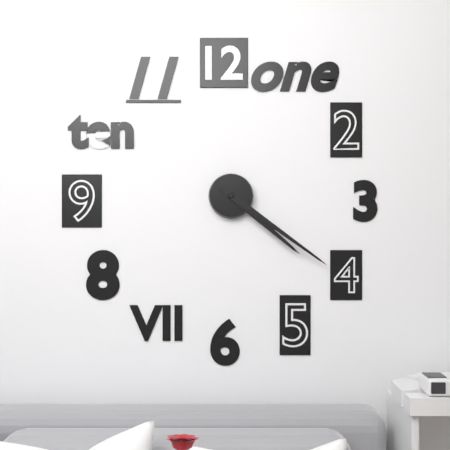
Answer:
4.21
